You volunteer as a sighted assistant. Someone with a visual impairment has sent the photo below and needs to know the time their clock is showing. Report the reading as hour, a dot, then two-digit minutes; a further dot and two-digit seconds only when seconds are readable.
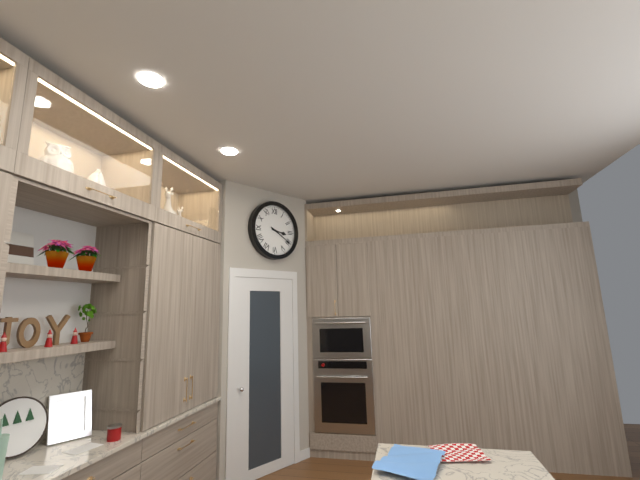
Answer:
3.20
